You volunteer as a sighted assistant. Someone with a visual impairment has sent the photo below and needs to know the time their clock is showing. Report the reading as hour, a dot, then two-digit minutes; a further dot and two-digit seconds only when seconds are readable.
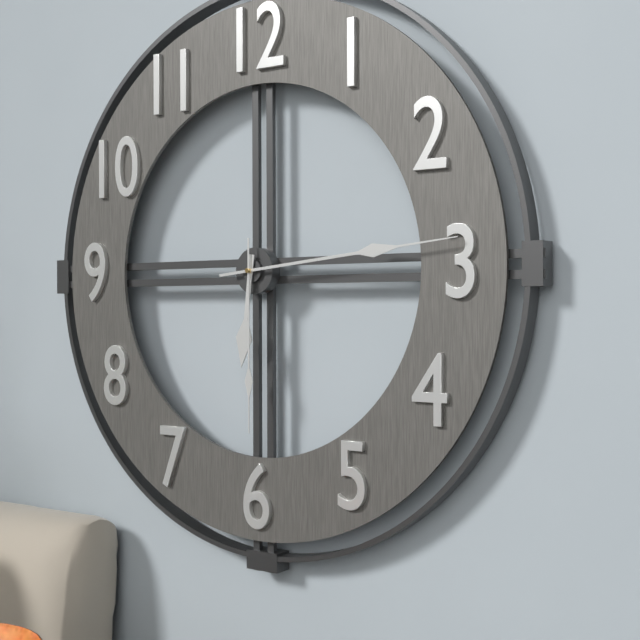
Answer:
6.14.30
